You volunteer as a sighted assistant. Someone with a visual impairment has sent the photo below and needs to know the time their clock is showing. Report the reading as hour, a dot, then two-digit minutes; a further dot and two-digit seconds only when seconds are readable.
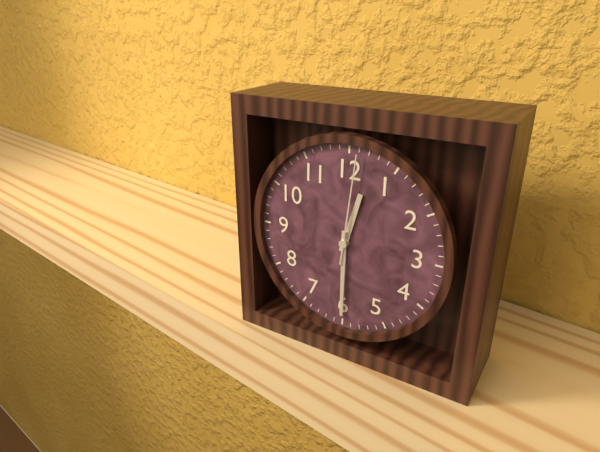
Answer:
12.30.01
